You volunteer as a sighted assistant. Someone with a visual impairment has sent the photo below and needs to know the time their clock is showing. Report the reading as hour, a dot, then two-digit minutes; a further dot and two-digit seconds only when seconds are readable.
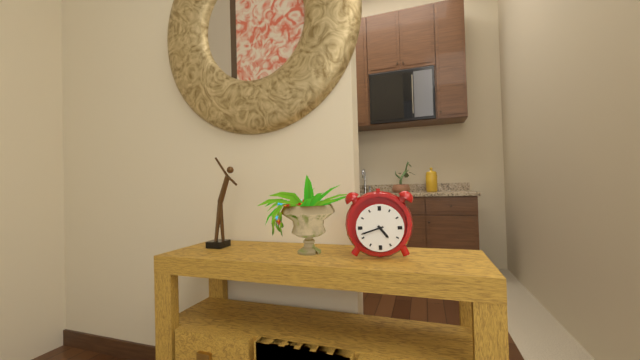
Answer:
4.42
